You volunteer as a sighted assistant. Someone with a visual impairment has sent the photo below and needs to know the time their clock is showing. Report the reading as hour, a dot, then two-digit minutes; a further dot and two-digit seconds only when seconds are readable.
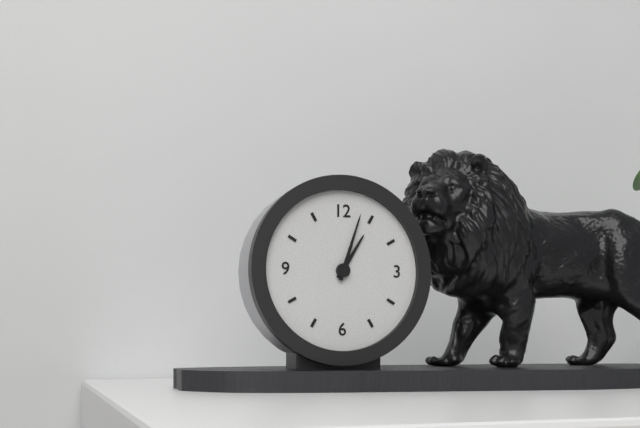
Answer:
1.03
